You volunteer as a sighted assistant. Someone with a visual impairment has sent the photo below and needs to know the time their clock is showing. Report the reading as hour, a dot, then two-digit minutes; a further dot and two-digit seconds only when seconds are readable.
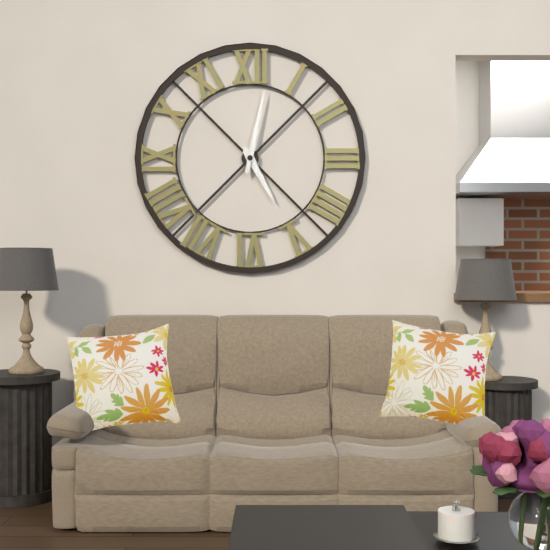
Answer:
5.02
